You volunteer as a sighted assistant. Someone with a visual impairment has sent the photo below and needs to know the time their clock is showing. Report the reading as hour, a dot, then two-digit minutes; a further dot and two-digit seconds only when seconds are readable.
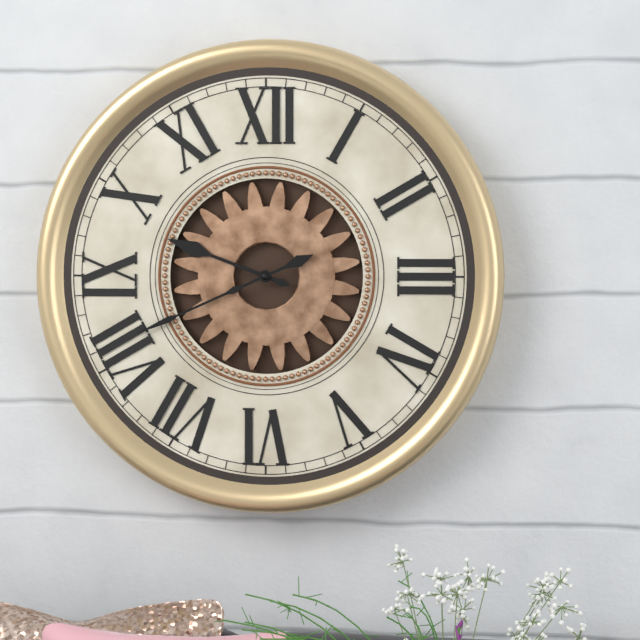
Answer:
9.41
